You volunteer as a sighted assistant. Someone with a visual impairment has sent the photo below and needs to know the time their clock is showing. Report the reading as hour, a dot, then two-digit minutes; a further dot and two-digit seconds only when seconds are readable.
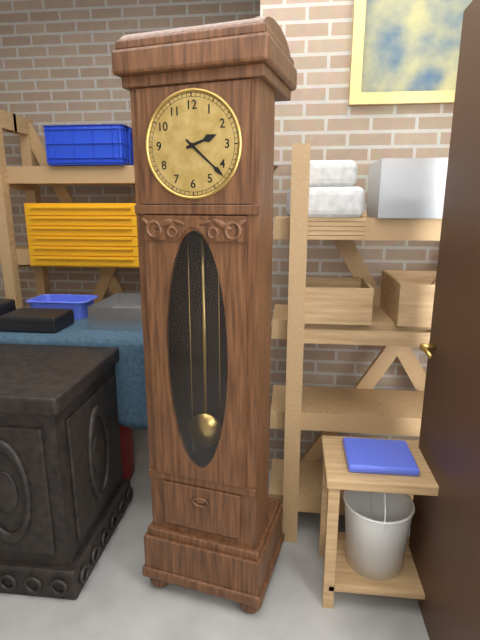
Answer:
2.22
